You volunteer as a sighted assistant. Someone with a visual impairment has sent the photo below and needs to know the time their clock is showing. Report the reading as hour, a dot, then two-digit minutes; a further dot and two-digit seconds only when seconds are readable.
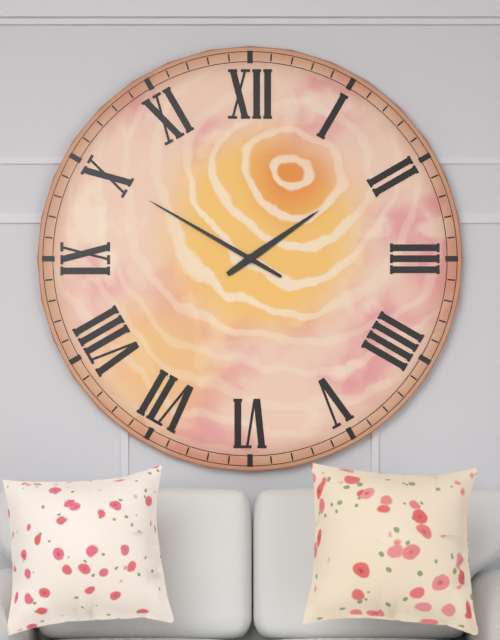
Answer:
1.50
